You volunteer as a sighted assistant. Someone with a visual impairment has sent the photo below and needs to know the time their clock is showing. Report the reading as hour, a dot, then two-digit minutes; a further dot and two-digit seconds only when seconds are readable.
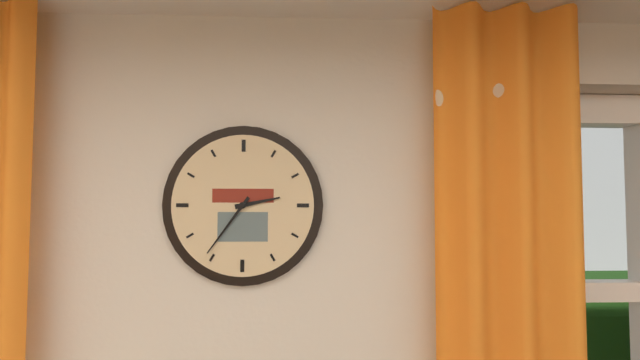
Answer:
2.36
